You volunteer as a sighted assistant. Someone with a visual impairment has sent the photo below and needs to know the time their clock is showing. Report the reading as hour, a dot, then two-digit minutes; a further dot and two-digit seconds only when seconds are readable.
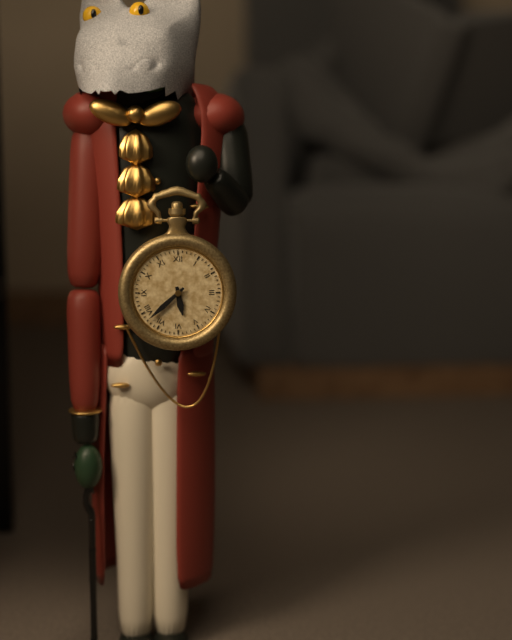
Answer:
5.38
